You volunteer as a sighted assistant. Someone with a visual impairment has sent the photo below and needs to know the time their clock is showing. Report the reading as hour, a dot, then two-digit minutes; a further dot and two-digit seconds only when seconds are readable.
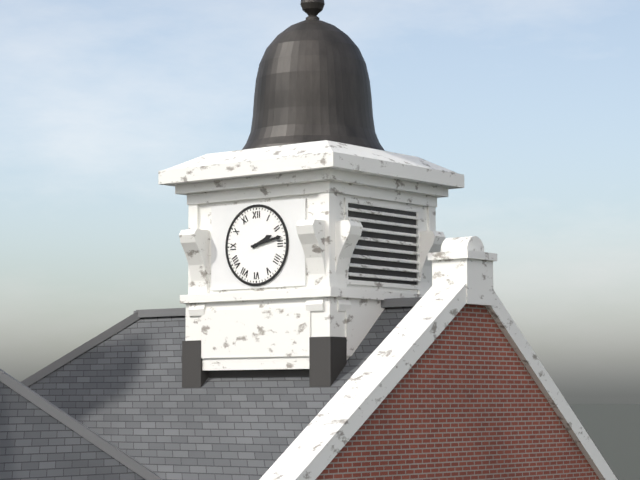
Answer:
2.13
